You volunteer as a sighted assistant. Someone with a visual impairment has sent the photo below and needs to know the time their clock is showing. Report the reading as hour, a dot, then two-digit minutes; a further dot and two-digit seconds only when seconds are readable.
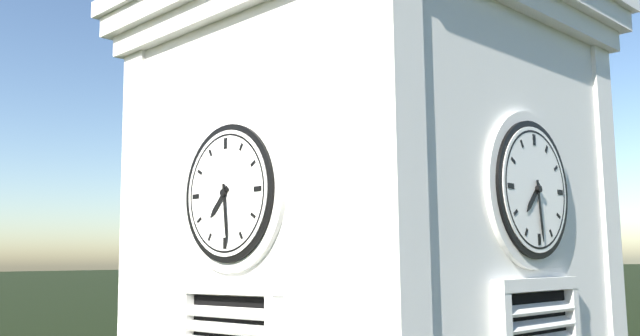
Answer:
7.29
